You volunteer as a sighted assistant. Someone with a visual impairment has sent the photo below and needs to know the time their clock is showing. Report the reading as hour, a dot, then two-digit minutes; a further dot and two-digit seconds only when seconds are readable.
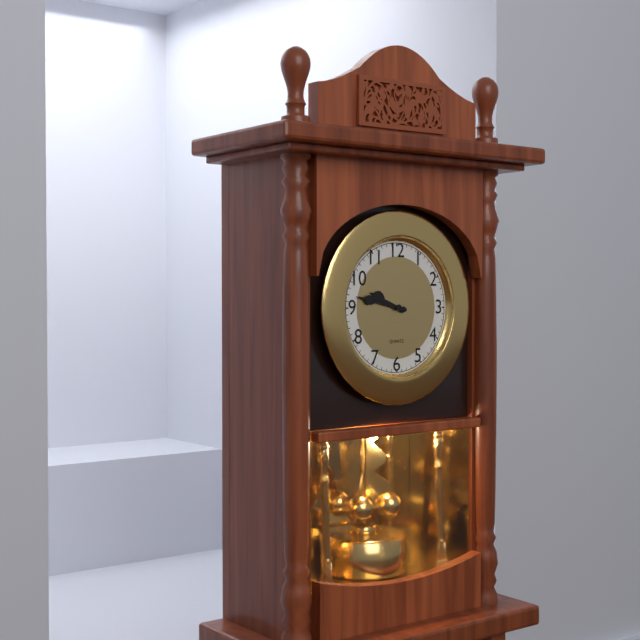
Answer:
9.47
